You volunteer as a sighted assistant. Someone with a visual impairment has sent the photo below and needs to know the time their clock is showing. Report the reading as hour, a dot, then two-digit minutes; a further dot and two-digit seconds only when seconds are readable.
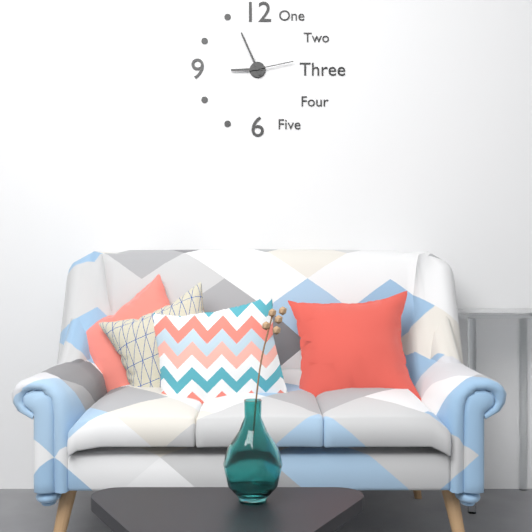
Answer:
8.56
